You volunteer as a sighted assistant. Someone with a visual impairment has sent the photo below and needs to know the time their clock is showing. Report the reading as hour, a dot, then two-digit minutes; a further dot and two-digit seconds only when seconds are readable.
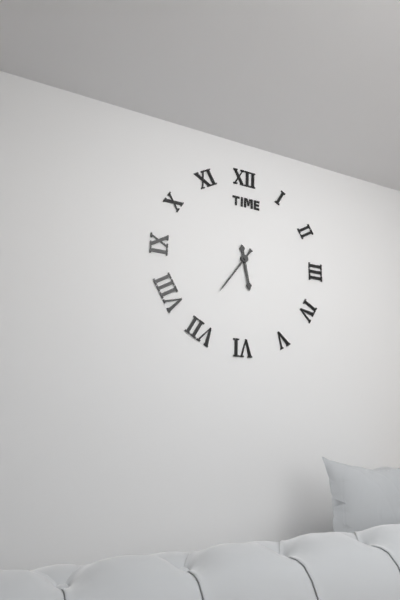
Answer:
5.36
